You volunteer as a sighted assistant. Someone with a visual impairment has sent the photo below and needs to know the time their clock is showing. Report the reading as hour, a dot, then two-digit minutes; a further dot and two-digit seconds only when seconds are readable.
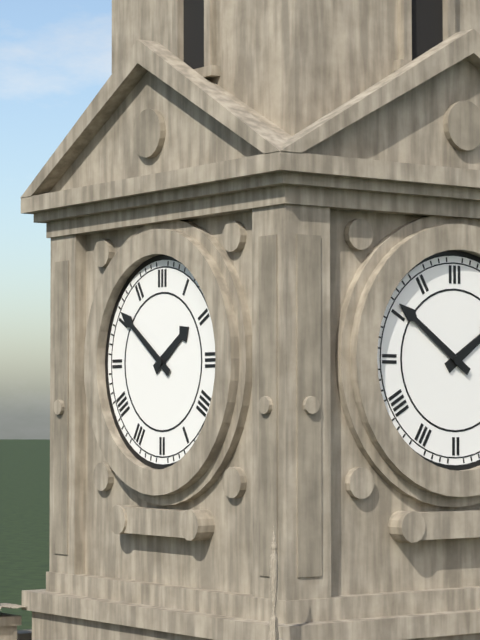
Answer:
1.51
